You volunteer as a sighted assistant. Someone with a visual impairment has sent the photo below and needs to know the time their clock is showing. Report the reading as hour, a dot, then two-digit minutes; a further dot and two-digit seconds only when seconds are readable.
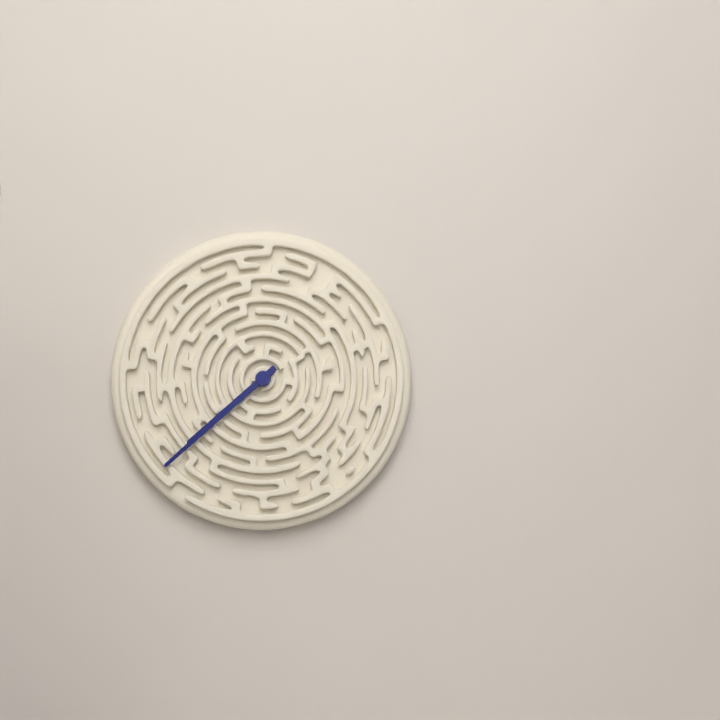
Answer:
7.38
